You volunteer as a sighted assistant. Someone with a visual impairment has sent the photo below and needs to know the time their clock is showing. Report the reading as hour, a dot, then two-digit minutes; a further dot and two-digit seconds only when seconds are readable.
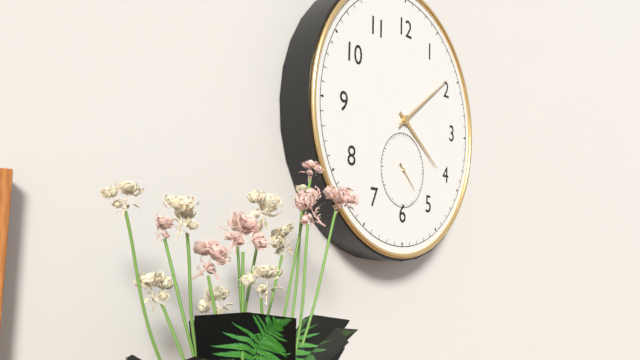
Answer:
4.09
